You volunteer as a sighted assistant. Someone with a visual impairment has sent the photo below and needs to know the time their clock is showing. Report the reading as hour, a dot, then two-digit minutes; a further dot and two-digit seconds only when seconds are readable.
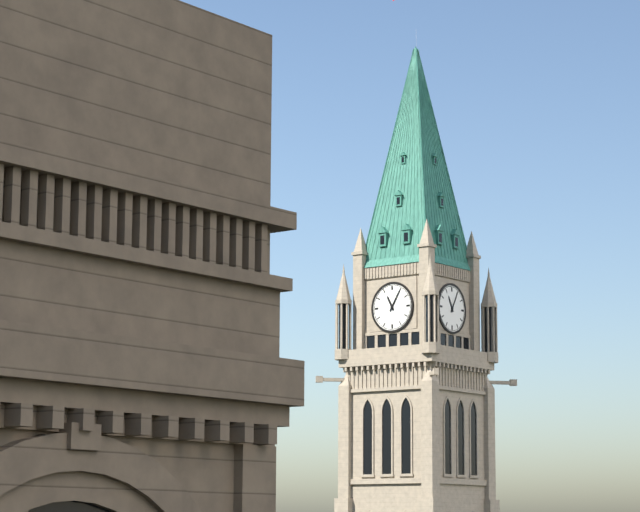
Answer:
11.05
